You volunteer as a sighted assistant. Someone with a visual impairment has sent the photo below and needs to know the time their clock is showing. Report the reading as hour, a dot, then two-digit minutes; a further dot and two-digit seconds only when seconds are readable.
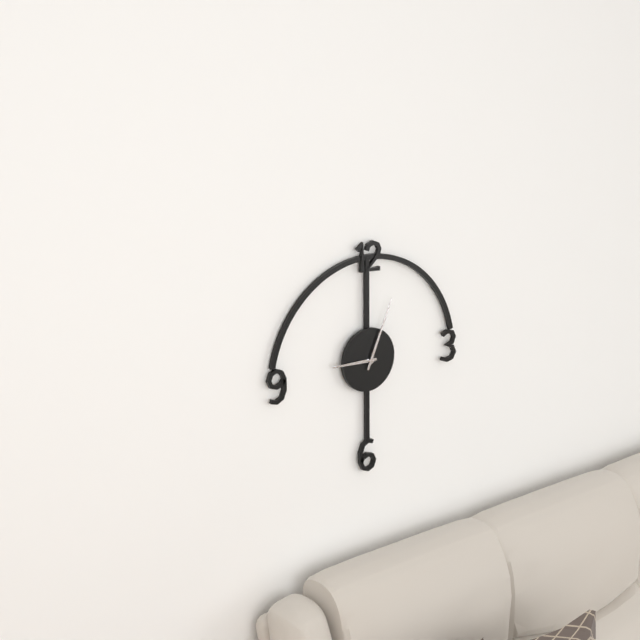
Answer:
9.04
